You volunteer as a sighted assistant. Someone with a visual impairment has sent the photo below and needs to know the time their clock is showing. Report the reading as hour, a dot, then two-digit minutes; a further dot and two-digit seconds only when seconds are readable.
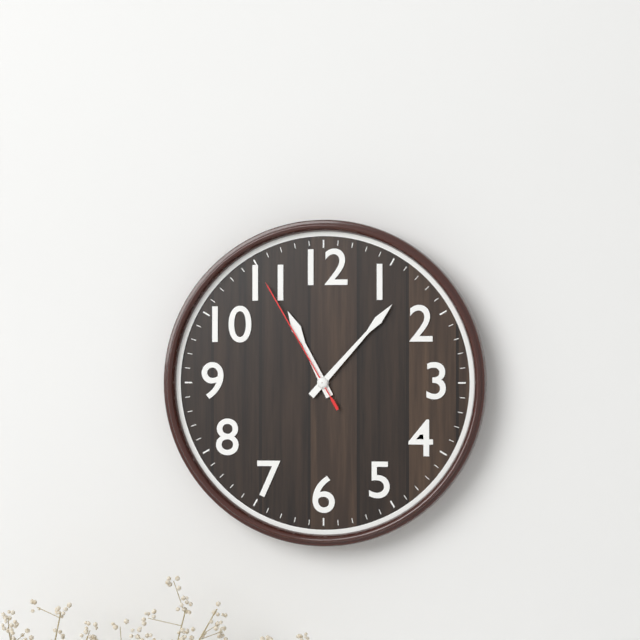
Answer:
11.07.55
